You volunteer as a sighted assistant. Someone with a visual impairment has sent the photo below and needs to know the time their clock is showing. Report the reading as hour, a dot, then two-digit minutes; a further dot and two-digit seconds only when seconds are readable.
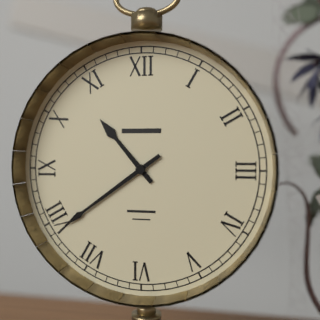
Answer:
10.39
